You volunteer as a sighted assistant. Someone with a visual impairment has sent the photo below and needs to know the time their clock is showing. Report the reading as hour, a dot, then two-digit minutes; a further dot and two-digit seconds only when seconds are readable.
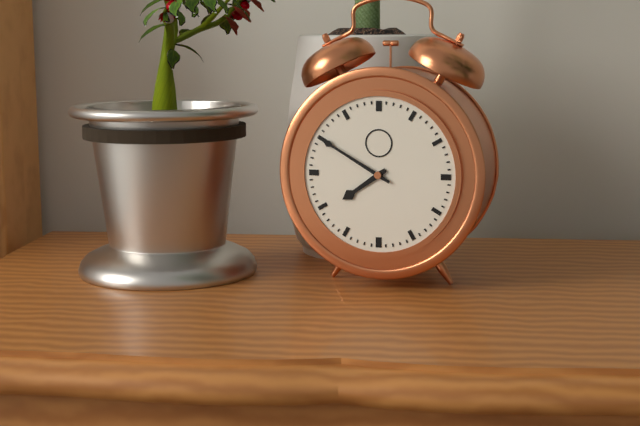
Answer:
7.50
